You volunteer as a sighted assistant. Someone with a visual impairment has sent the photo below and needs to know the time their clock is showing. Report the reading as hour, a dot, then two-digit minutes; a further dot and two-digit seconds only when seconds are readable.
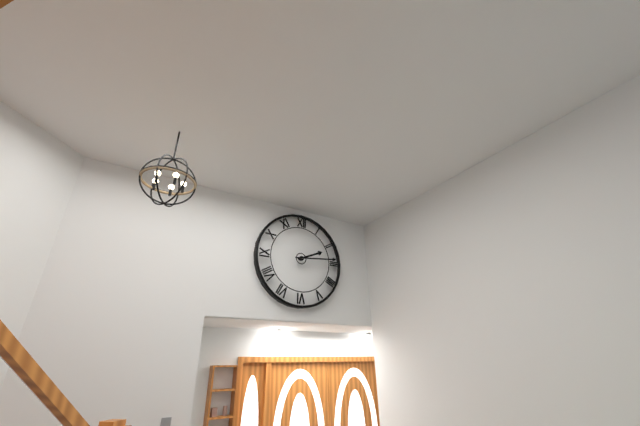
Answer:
2.14
